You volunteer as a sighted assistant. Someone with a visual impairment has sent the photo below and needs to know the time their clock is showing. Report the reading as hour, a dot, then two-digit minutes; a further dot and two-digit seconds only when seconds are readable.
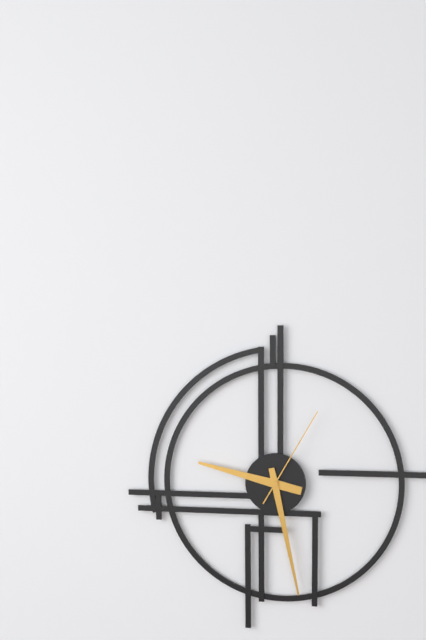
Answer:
9.28.05
